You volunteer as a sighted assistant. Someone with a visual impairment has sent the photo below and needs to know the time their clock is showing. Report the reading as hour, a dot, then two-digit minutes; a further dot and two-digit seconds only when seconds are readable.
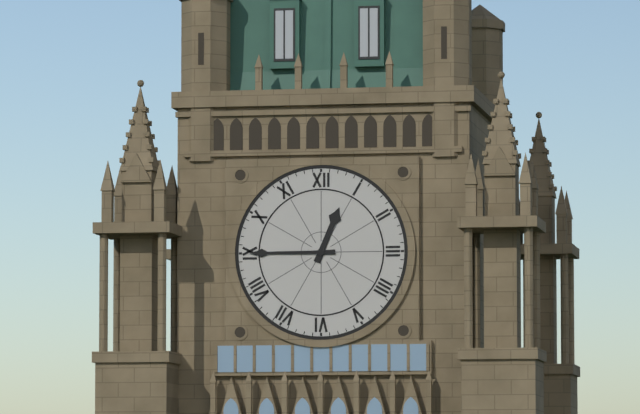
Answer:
12.45
